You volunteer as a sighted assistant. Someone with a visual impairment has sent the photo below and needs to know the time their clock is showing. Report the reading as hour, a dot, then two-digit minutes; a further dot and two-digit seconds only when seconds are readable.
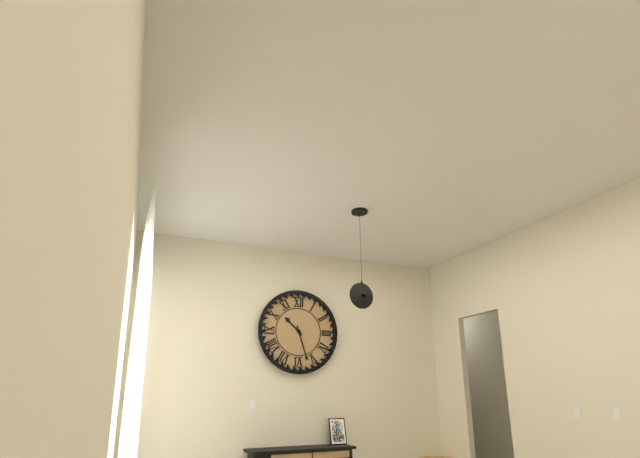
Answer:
10.27
